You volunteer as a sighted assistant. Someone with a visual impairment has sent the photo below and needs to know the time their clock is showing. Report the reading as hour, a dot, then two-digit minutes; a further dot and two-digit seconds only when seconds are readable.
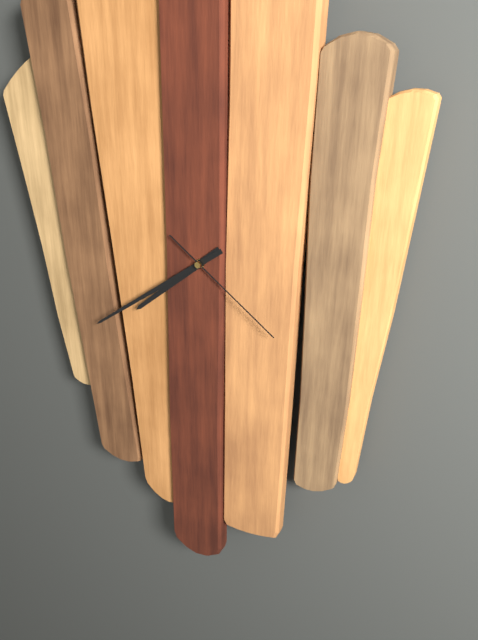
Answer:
7.39.21
